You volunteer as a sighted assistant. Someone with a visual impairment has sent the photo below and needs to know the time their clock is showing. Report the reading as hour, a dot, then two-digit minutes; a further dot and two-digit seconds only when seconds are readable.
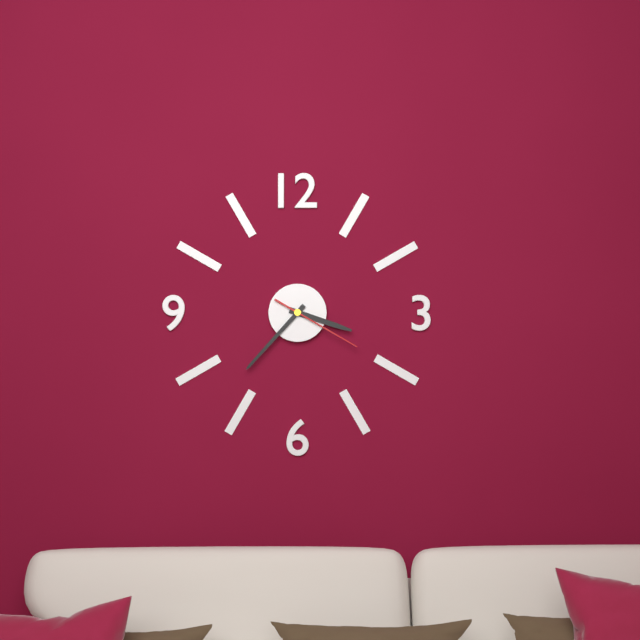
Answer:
3.37.20
